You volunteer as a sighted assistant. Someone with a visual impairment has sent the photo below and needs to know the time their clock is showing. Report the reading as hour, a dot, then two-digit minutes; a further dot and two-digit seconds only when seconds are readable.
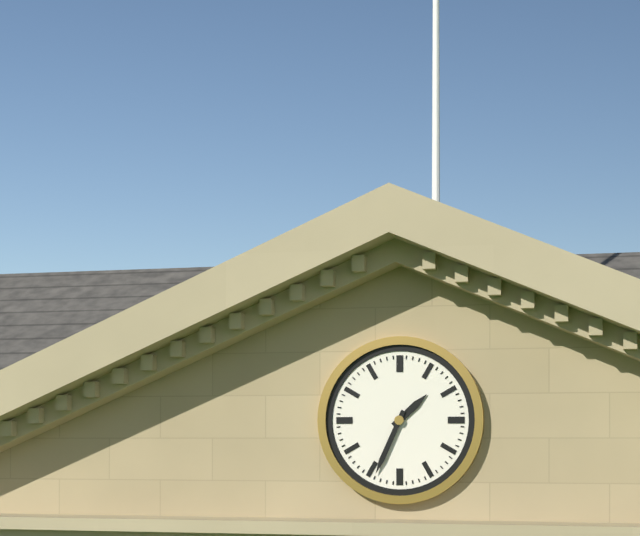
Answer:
1.34
